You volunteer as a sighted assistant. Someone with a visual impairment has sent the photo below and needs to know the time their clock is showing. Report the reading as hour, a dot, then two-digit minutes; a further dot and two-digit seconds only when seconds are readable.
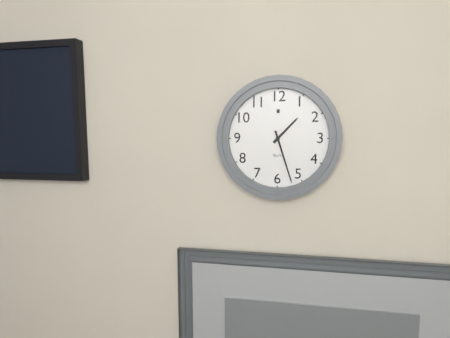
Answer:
1.27
